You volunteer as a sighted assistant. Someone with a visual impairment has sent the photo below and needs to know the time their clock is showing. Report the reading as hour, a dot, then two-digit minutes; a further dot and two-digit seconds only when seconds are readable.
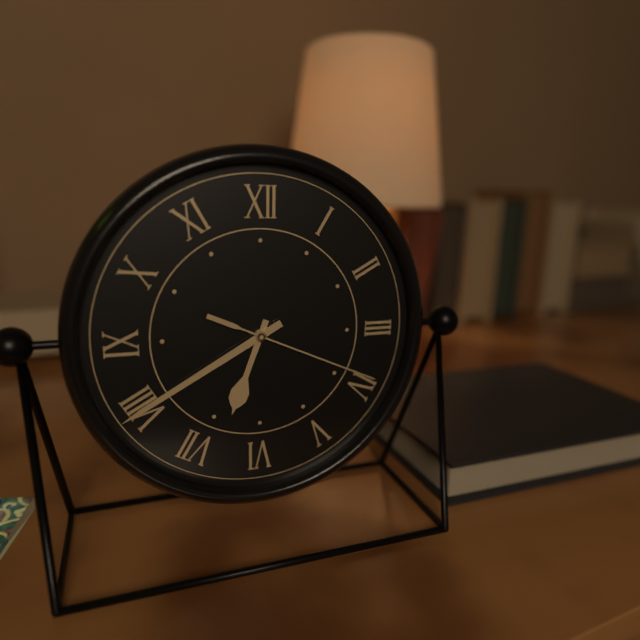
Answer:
6.40.19
